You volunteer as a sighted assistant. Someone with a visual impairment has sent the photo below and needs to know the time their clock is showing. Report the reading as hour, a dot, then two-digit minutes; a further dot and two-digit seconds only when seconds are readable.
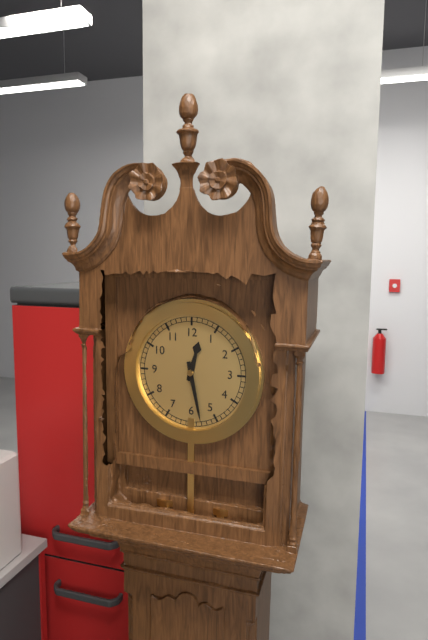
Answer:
12.28
